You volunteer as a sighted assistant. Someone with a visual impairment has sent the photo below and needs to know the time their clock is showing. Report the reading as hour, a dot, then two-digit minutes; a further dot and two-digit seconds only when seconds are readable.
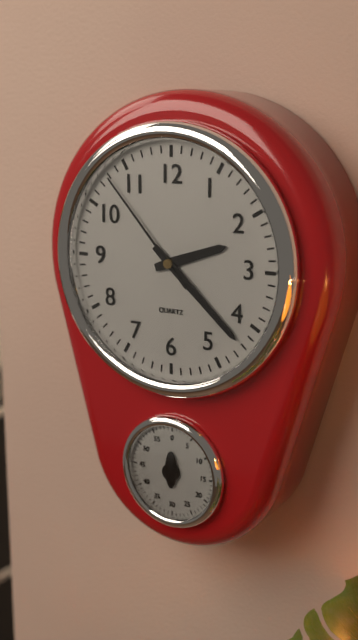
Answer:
2.22.53
